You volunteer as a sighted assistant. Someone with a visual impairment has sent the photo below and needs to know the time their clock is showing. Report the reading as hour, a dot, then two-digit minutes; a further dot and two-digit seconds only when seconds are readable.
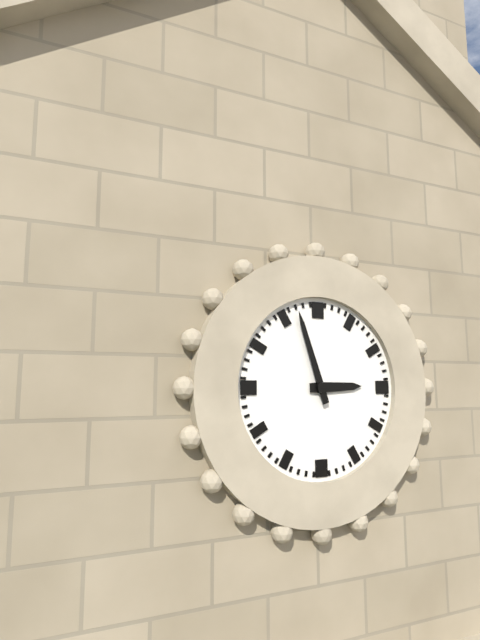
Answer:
2.57
